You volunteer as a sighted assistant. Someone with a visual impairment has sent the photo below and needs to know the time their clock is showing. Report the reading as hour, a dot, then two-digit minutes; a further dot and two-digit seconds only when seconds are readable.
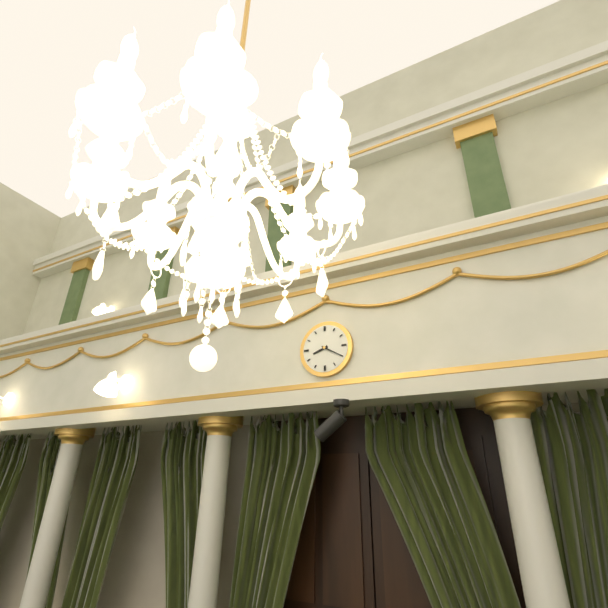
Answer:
8.20
